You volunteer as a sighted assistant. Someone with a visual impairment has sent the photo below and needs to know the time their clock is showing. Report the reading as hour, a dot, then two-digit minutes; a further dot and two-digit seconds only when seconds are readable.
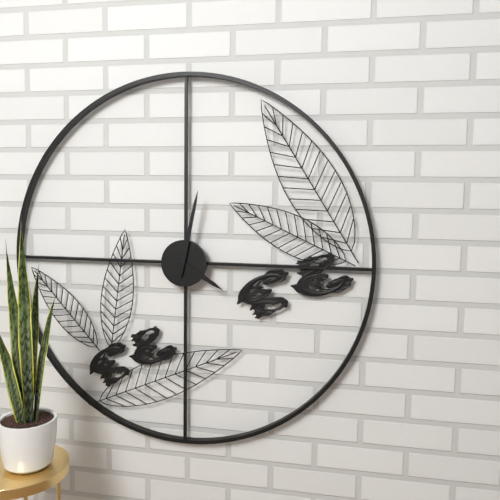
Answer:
4.02
